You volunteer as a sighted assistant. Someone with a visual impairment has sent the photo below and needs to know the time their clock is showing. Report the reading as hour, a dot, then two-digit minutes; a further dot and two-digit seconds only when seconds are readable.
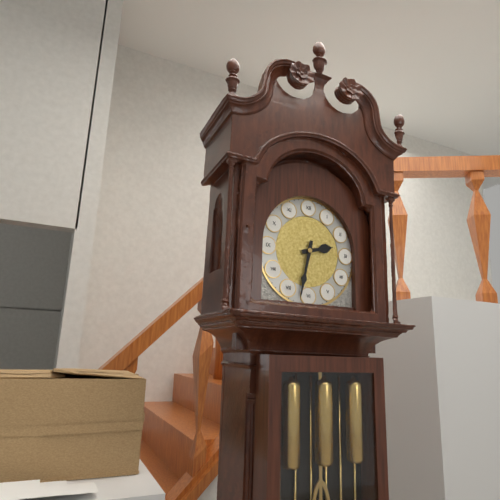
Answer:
2.32
